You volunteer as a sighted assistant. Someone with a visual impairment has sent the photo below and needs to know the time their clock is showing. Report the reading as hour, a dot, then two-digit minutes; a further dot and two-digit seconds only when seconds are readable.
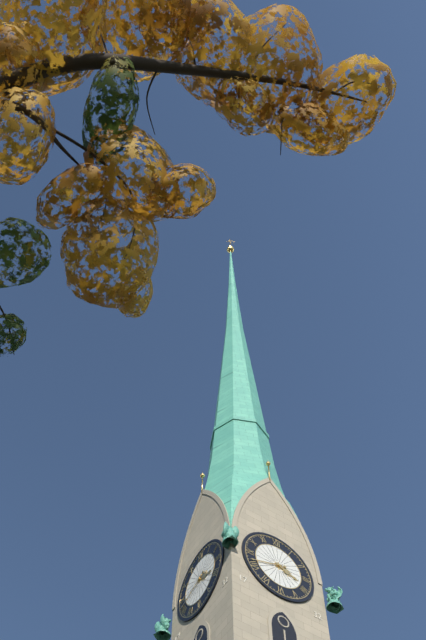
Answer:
3.42
